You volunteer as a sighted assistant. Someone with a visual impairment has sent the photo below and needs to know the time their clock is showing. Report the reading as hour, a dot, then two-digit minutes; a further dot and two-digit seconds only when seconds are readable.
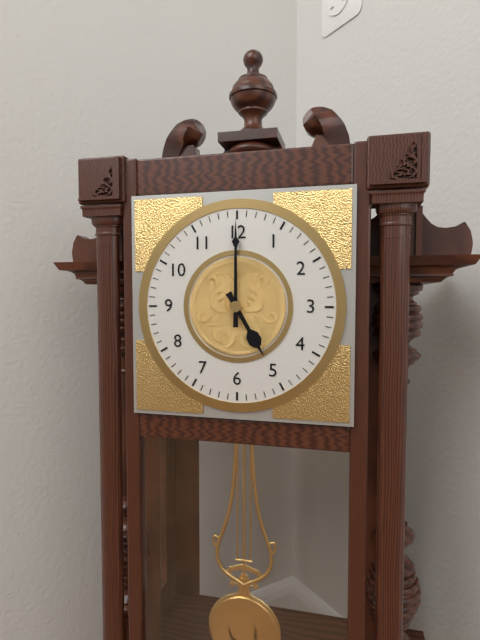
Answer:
5.00
